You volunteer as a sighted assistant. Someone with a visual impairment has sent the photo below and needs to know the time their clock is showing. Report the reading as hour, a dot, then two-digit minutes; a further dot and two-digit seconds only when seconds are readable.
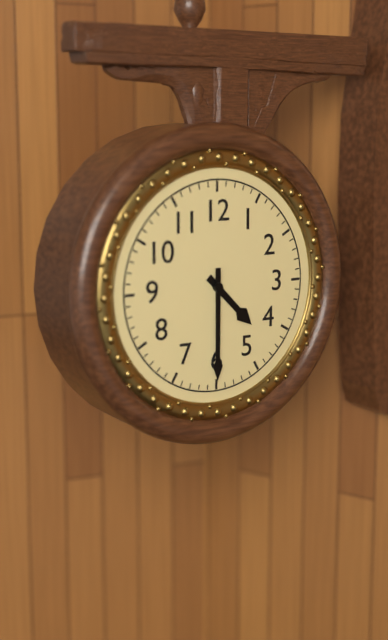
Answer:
4.30
